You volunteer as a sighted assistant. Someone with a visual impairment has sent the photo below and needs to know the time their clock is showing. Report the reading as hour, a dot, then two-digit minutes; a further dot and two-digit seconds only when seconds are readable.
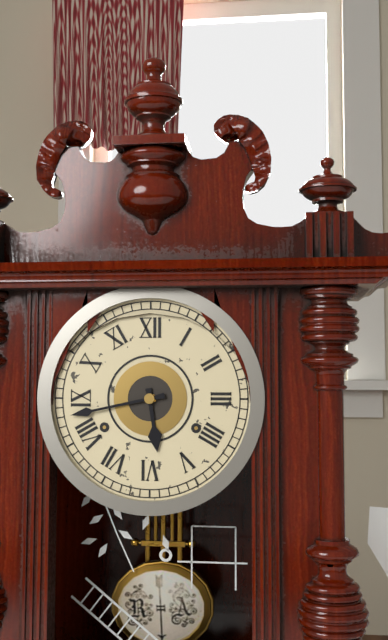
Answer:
5.43
